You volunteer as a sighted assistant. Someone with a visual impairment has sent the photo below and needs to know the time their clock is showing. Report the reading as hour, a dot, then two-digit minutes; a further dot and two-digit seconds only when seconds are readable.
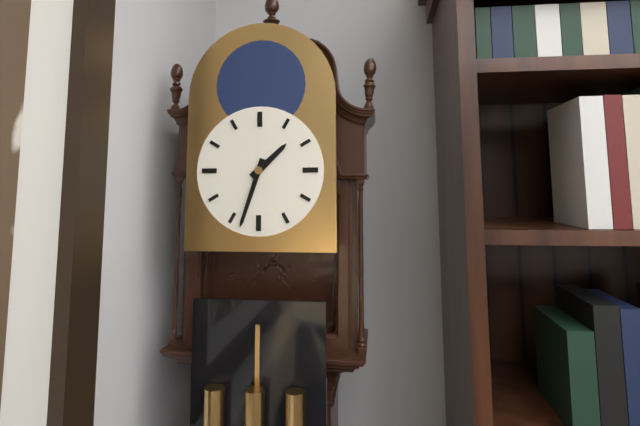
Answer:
1.33
